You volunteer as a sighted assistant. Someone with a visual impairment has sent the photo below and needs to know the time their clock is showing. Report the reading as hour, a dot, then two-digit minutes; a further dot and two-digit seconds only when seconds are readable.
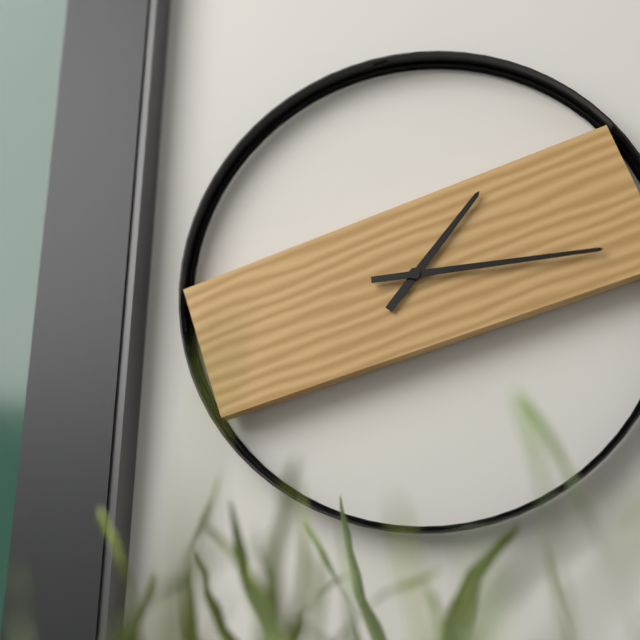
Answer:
1.14
